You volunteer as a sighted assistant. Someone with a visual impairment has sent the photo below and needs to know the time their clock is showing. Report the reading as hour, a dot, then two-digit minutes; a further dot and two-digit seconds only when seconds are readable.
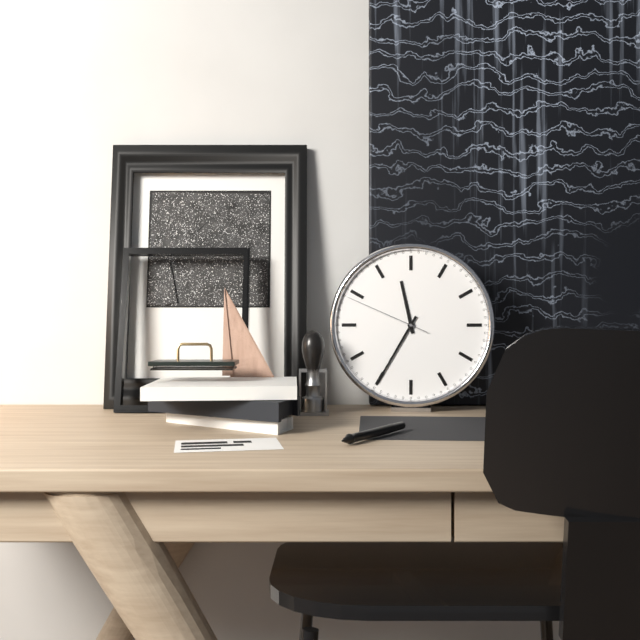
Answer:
11.35.49
